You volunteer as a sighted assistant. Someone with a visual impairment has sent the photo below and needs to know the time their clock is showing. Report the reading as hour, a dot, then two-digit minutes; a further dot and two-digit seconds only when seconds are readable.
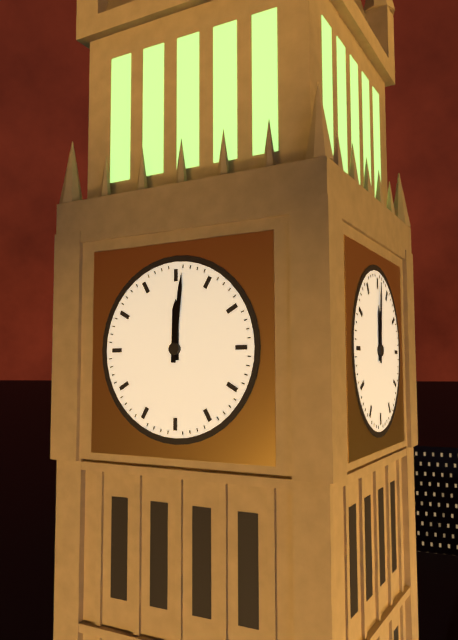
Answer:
12.01
